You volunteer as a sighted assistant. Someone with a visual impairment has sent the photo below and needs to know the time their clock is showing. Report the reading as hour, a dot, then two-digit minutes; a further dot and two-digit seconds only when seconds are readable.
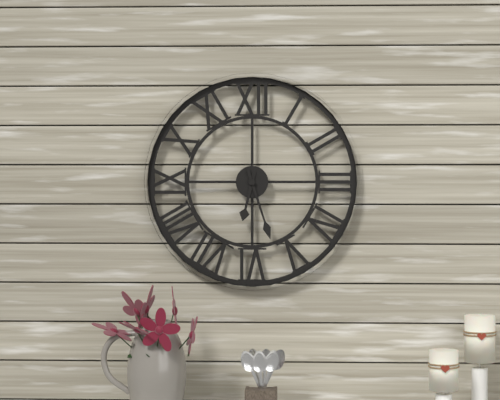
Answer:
6.27
